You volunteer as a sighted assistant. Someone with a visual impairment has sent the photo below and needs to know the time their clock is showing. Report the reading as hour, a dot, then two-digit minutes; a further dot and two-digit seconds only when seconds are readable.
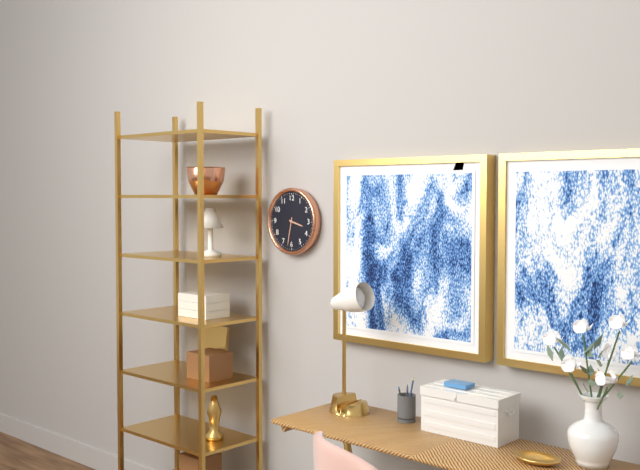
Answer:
3.32
